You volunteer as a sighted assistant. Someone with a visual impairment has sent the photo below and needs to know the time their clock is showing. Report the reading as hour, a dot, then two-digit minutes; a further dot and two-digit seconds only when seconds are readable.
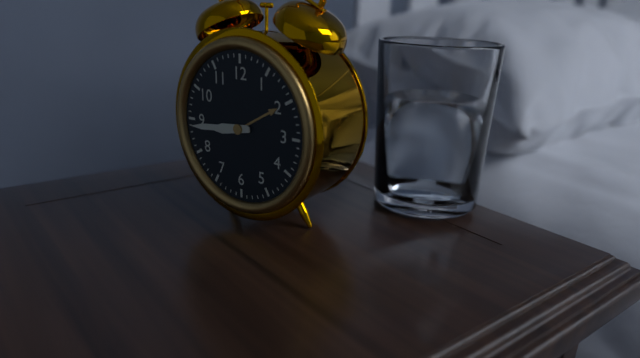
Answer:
8.44
